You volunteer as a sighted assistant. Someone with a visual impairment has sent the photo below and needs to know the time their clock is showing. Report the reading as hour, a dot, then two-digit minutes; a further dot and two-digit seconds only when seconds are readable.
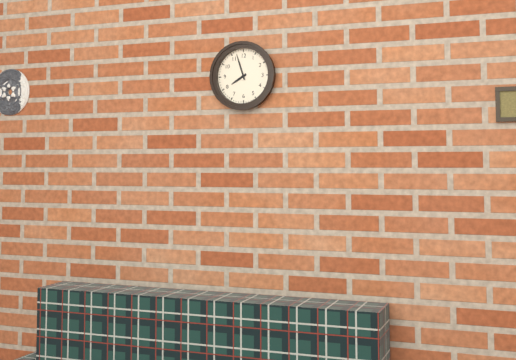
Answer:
7.57
